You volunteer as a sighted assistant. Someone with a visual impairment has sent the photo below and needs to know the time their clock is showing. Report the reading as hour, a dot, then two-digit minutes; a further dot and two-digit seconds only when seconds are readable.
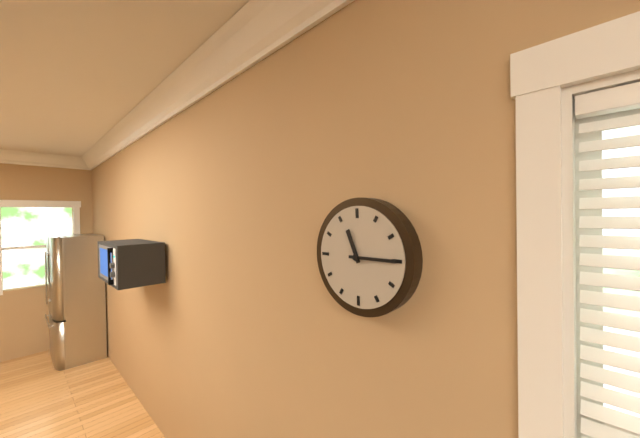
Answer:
11.15
